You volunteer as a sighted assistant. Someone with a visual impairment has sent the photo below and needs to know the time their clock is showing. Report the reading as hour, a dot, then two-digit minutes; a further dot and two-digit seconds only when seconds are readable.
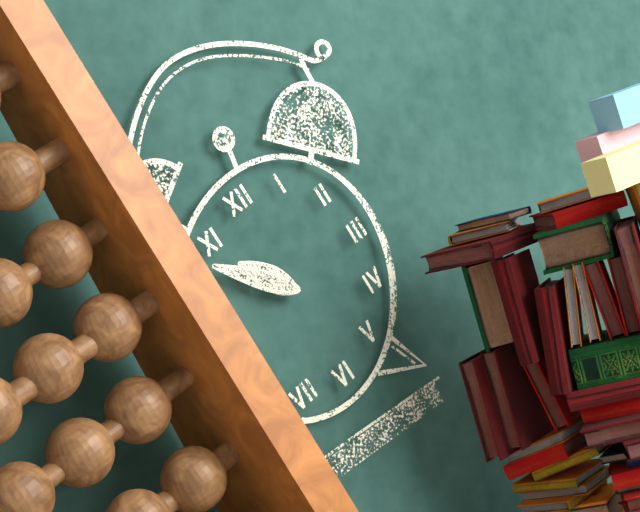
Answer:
10.53
